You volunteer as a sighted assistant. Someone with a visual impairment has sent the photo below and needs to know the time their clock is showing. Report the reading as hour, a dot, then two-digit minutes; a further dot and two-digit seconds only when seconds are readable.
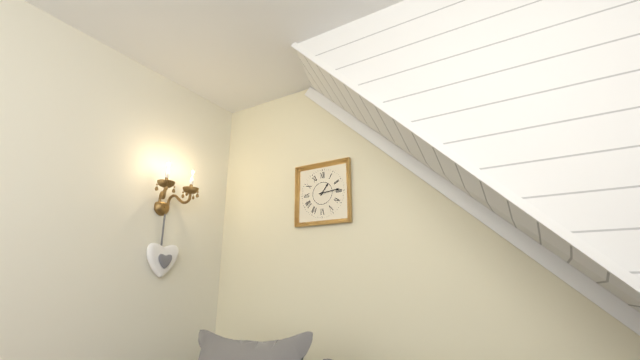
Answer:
1.14
